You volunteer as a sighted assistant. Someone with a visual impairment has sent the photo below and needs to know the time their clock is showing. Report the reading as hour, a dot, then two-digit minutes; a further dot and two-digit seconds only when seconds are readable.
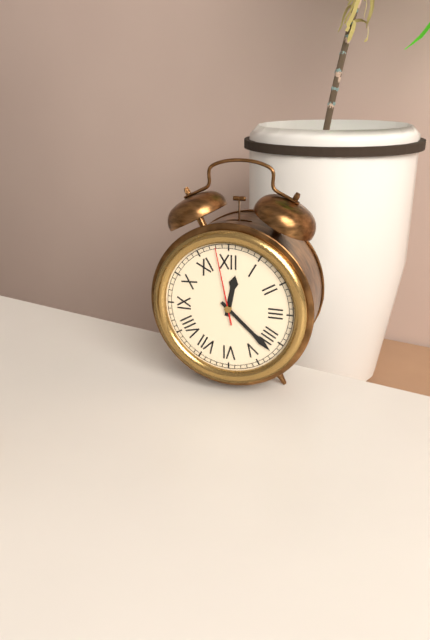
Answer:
12.22.58
